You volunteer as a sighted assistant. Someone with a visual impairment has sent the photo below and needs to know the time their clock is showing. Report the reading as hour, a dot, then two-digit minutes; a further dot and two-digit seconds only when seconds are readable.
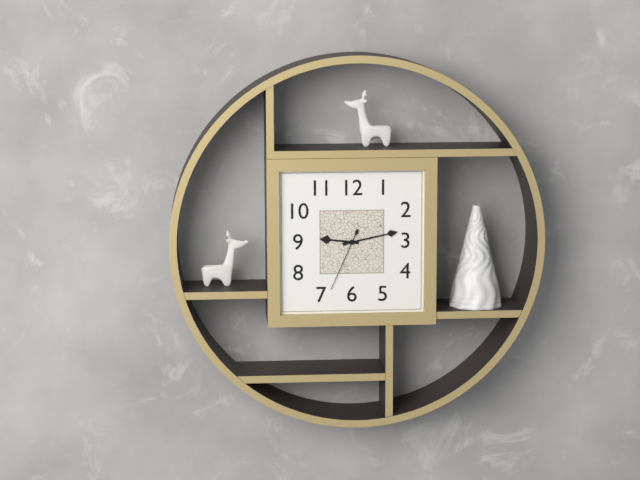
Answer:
9.13.34
